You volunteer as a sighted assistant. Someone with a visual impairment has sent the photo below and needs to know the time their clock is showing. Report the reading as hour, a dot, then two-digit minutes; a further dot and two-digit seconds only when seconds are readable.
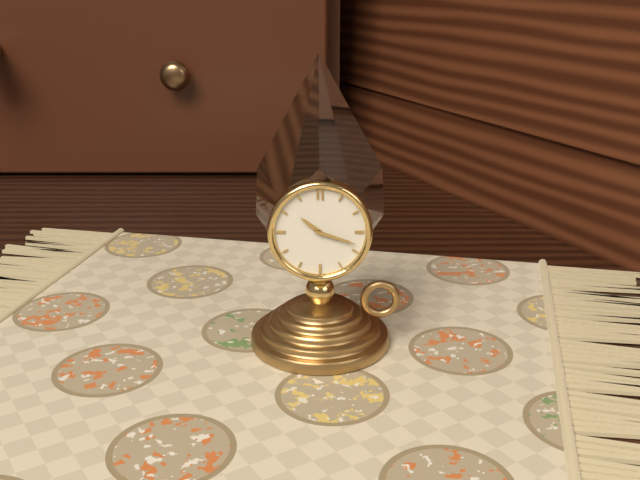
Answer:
10.18
